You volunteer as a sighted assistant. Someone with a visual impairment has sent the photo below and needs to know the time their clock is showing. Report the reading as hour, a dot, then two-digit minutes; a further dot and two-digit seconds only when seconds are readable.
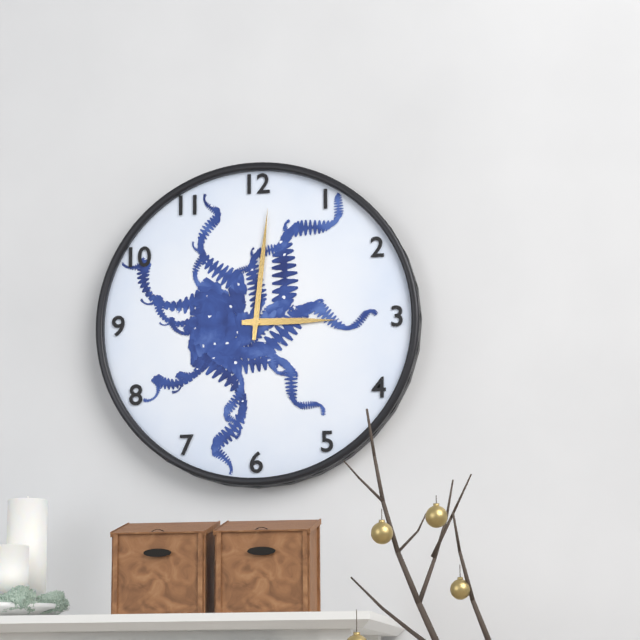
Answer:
3.01
